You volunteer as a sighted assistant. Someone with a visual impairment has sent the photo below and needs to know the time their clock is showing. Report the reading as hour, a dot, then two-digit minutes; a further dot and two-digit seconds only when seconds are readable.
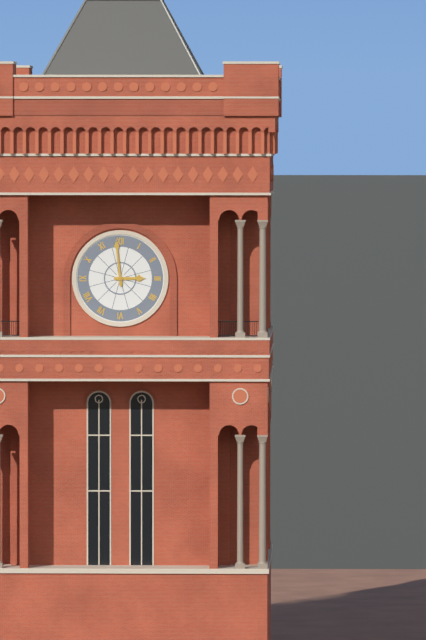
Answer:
2.59
